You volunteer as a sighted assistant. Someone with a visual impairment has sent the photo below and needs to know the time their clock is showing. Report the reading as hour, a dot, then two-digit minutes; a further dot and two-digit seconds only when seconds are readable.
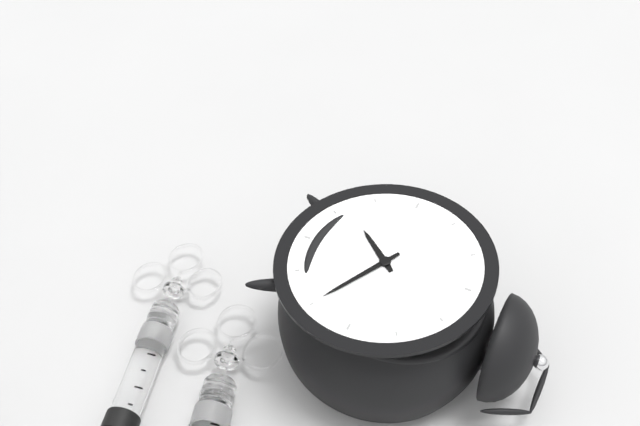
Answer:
7.20
